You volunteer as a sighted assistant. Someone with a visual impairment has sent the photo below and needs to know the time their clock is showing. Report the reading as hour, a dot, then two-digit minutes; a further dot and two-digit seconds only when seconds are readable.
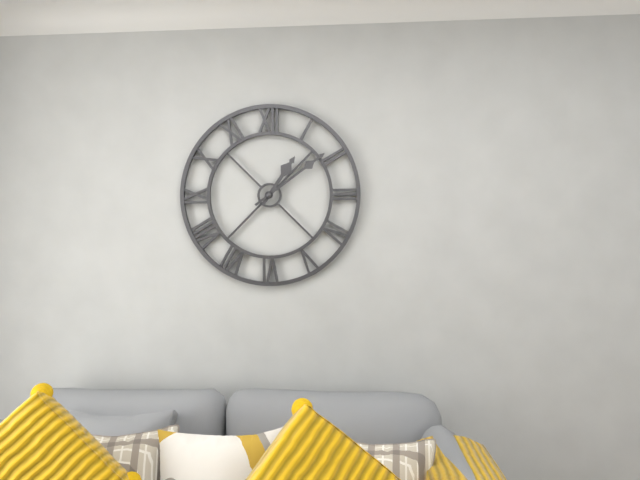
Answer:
1.09
